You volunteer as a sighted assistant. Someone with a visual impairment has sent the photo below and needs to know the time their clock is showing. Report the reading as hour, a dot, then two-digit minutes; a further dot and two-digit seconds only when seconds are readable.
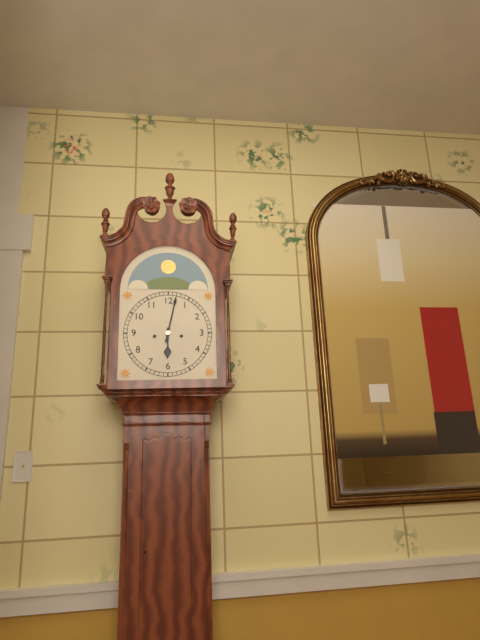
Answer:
6.02
